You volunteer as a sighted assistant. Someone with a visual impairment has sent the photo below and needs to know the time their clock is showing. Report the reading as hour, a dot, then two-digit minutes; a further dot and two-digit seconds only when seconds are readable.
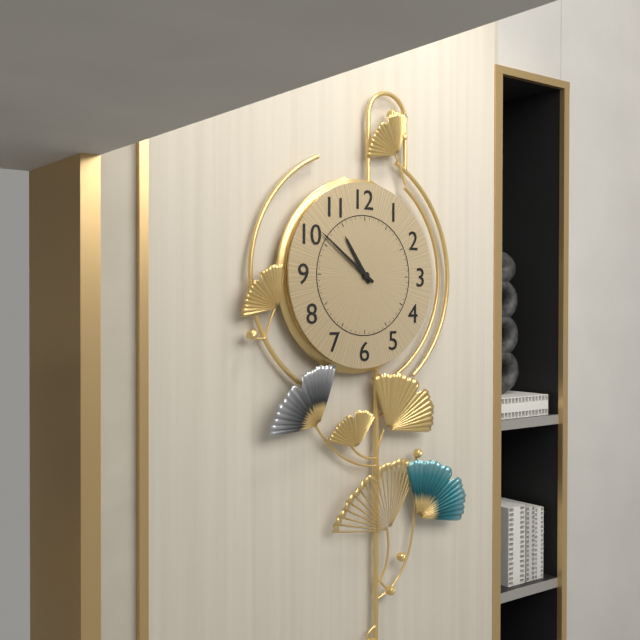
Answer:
10.51
